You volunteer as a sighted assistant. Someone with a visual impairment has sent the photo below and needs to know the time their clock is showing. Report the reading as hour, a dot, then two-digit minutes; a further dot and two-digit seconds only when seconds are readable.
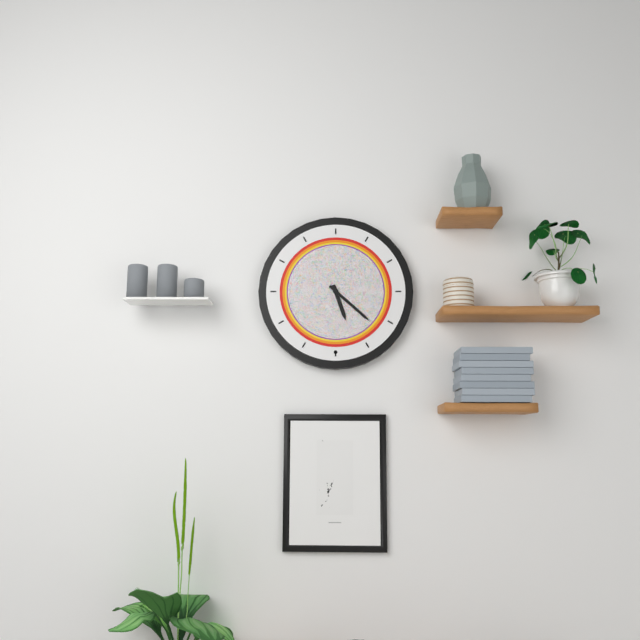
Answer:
5.22
